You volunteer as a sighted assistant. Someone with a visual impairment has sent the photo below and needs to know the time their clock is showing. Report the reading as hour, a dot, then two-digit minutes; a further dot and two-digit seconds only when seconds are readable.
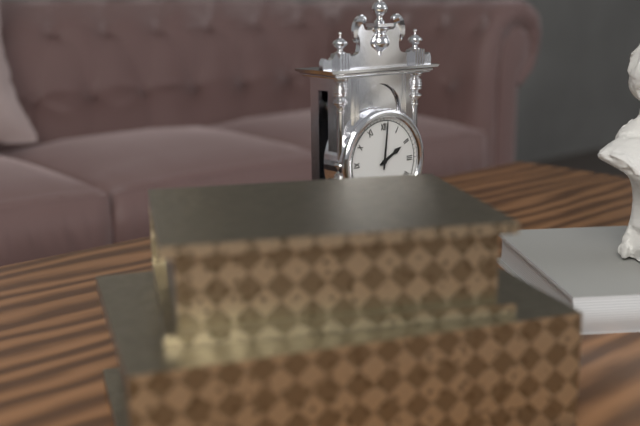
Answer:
2.01
